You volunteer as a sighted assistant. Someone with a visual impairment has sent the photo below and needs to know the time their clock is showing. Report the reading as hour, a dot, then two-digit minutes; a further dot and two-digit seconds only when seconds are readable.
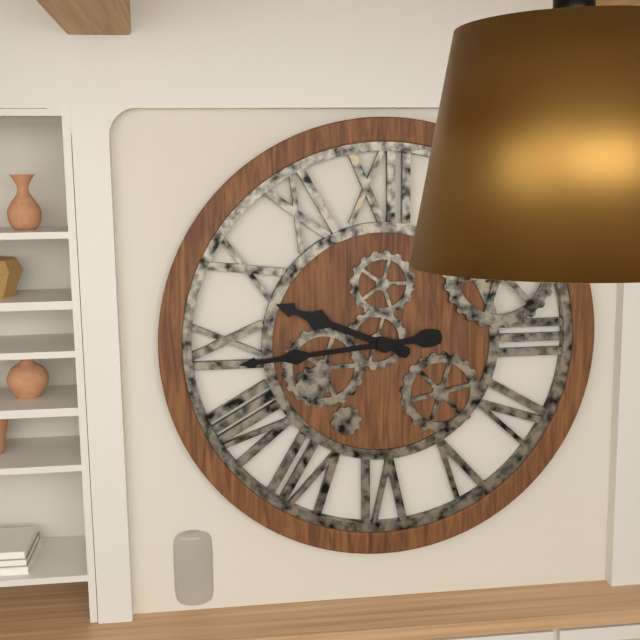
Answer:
9.44
